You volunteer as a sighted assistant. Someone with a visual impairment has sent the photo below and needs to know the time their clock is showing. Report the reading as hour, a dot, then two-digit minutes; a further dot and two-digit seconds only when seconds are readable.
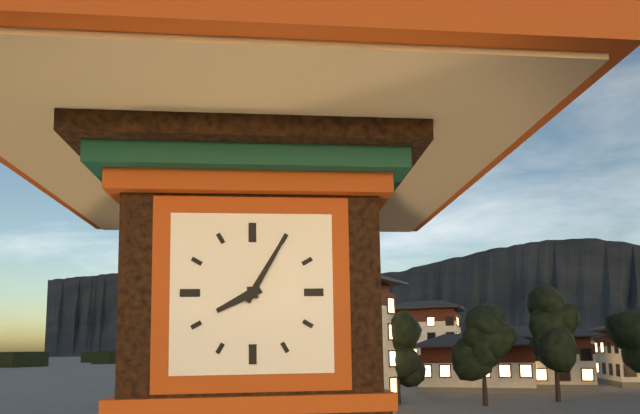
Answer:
8.05
